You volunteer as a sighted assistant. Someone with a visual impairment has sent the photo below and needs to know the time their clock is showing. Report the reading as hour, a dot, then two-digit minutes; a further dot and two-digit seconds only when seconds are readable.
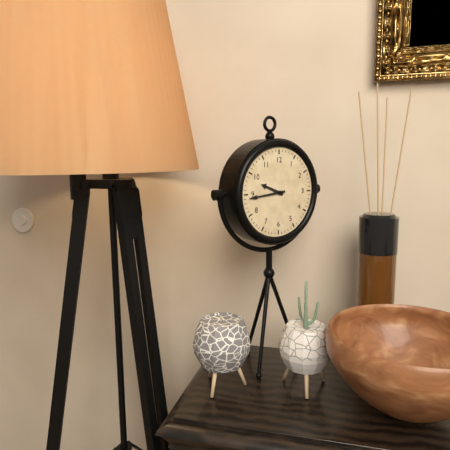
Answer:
9.44
